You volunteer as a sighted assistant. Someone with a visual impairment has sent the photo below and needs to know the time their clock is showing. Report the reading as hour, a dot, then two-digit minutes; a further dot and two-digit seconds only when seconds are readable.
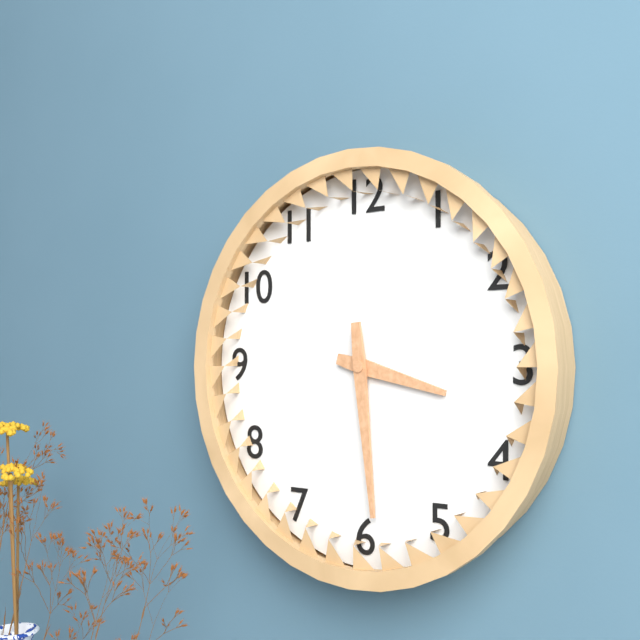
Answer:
3.29
